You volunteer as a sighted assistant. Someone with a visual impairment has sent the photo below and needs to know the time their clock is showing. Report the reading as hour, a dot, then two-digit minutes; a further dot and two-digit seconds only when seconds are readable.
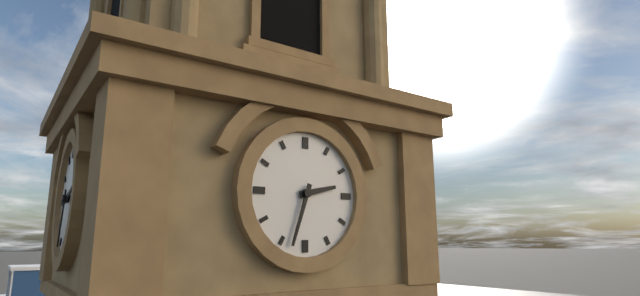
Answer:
2.33
